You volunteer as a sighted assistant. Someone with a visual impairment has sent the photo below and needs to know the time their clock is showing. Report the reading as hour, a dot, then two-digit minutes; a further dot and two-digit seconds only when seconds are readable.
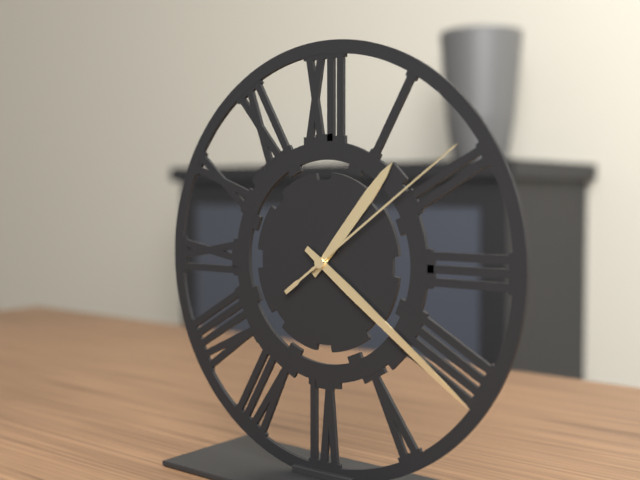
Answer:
1.21.09
